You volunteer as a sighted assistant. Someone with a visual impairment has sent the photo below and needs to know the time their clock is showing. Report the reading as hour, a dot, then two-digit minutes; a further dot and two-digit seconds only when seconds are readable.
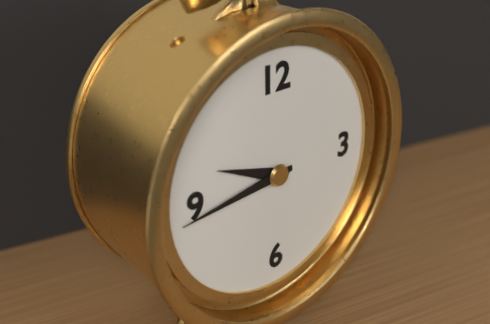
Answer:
9.44
